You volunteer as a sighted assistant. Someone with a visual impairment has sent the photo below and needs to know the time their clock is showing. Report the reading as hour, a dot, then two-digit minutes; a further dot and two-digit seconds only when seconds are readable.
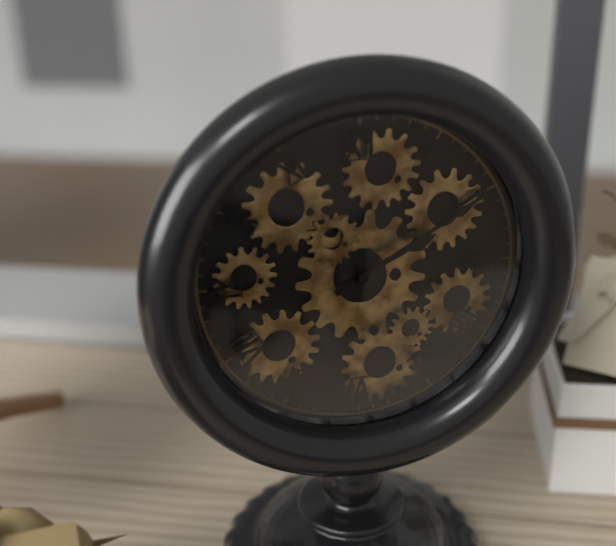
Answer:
2.10
